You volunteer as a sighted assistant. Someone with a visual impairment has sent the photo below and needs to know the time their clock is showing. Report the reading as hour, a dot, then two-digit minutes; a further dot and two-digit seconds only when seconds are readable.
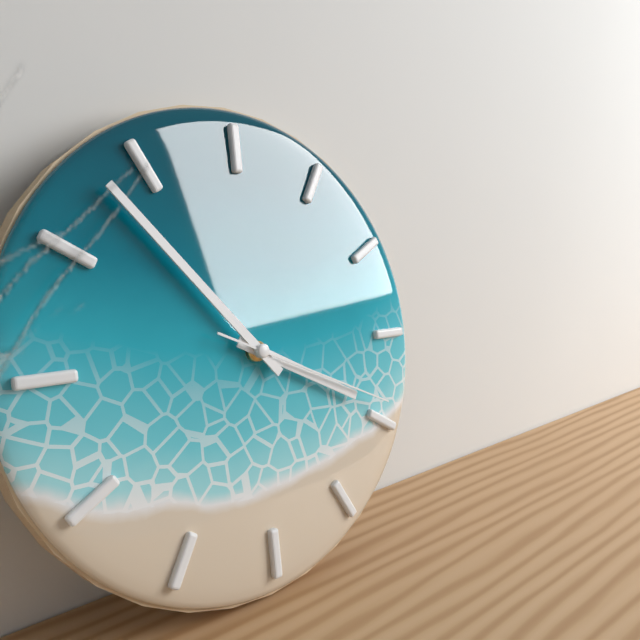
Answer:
3.53.19
